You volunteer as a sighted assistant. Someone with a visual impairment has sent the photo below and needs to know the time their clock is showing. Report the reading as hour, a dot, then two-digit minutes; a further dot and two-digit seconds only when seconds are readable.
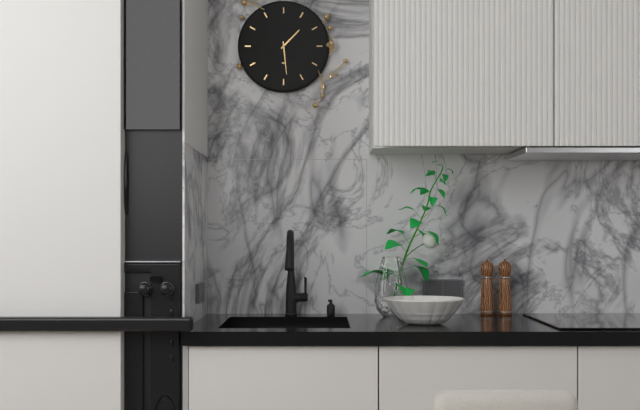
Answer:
1.29
